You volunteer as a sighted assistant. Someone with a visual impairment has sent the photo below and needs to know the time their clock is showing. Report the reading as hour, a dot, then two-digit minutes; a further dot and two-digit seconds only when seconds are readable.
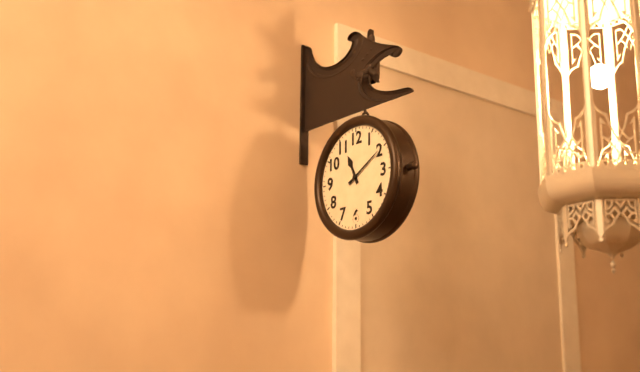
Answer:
11.10
